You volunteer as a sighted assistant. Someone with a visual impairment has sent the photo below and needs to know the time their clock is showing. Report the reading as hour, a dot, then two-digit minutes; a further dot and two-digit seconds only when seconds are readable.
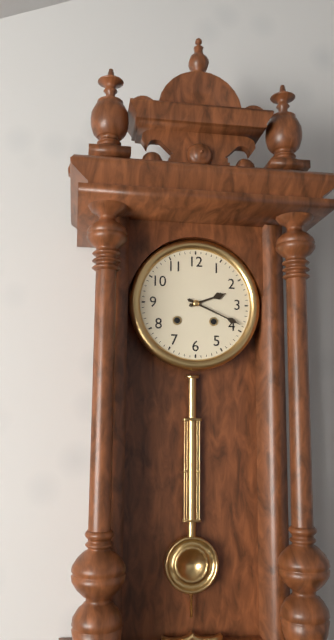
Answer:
2.19
